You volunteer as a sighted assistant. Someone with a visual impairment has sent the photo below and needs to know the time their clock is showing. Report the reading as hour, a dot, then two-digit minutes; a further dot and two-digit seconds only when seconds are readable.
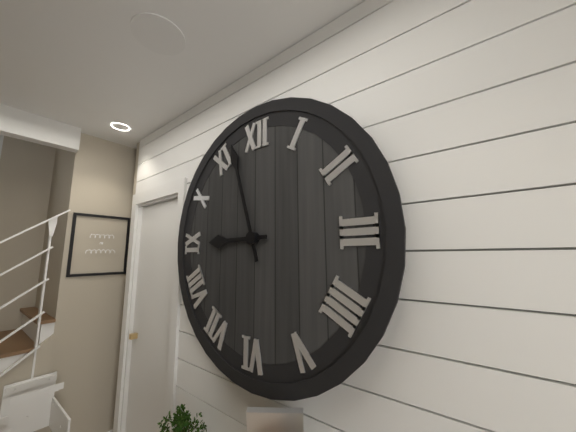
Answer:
8.57
